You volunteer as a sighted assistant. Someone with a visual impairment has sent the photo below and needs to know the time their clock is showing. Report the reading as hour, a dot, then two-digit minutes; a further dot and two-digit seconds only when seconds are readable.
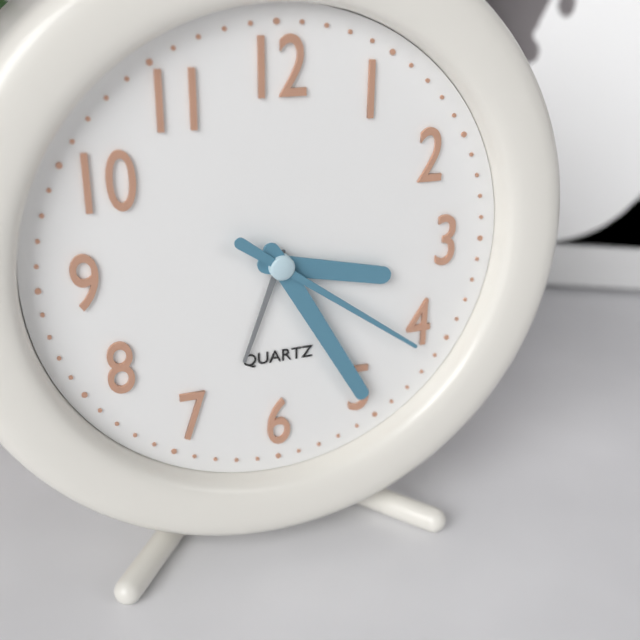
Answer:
3.25.21
